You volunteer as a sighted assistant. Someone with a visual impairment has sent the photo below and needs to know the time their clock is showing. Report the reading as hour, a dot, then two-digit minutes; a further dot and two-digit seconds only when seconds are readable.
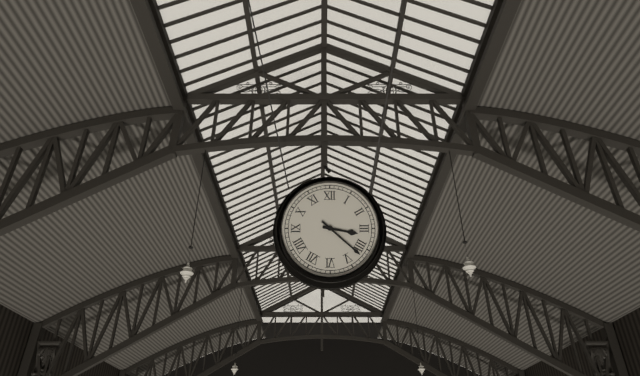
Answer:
3.22
